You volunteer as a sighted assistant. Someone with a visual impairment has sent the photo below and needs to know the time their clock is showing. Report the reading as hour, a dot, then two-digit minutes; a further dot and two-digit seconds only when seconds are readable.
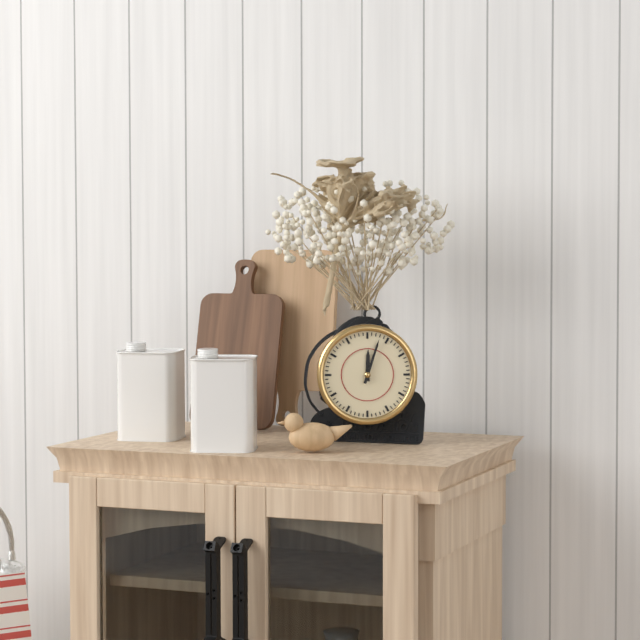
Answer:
12.03
